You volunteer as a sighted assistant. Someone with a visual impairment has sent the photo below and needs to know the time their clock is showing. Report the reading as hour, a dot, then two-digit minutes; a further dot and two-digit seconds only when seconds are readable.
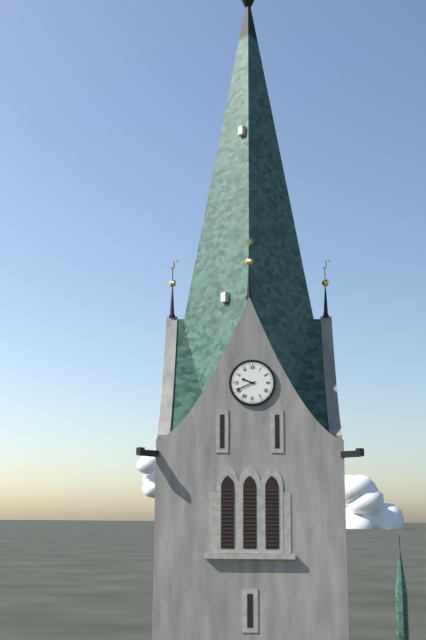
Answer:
9.41
